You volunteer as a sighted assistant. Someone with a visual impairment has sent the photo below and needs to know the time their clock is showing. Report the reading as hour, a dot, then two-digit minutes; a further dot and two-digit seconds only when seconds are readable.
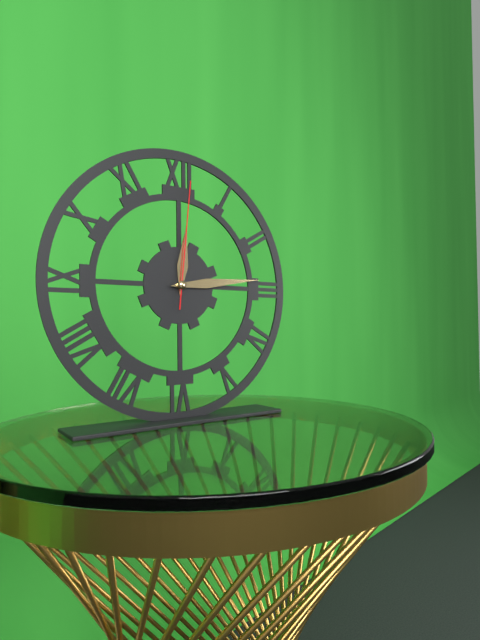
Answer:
12.14.01
